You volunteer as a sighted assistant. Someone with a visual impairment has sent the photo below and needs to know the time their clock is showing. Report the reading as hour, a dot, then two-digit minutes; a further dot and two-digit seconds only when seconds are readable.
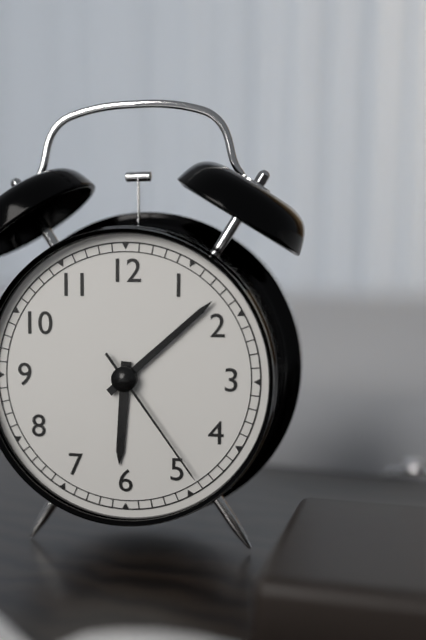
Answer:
6.08.24
